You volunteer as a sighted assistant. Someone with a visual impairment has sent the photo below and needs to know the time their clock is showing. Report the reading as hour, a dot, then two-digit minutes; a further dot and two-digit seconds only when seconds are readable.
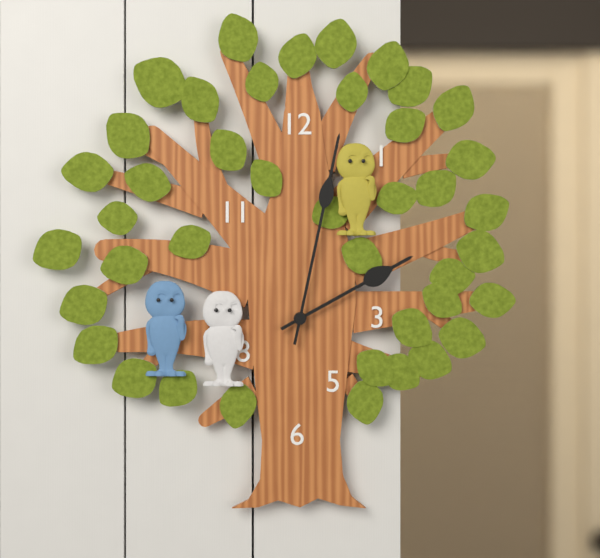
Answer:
2.02
